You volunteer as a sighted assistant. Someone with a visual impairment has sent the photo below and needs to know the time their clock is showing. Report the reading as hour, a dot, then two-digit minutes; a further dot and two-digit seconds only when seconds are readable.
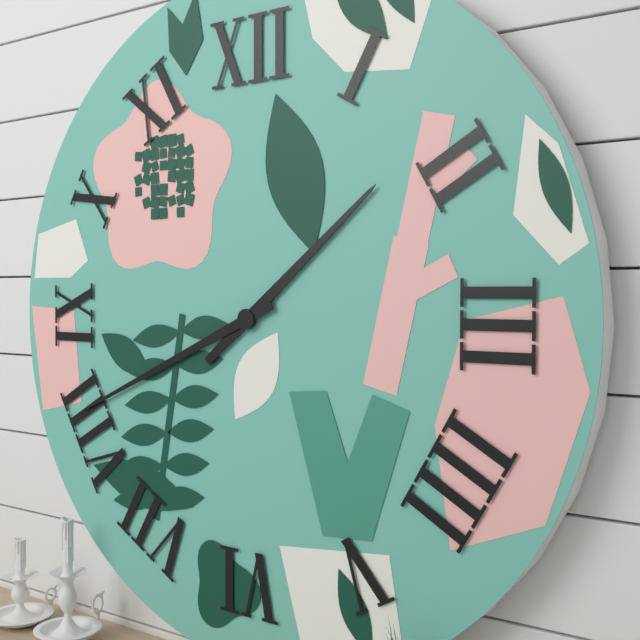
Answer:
1.41
